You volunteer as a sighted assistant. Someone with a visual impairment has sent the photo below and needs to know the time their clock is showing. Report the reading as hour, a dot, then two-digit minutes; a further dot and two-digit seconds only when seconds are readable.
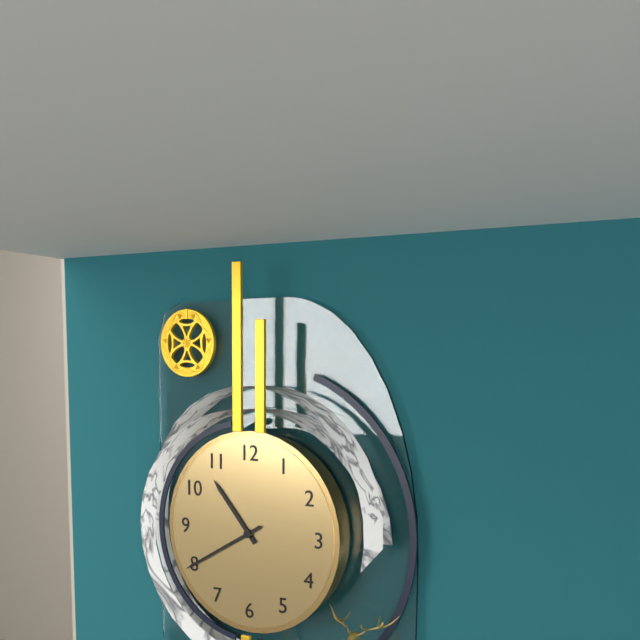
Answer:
10.40
